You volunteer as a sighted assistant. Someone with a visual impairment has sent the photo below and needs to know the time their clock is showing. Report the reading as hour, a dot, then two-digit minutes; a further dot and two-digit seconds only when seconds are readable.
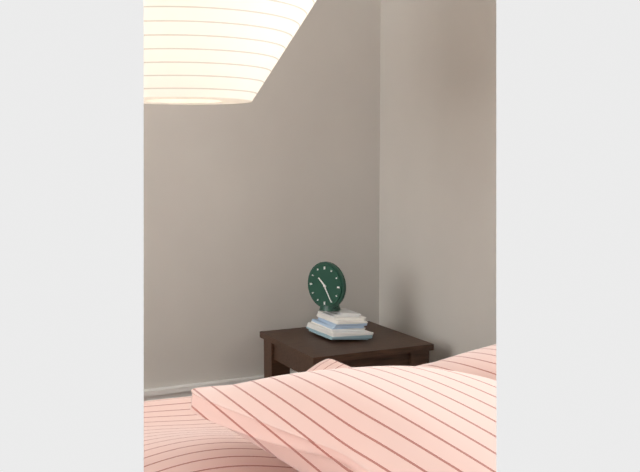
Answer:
10.25
